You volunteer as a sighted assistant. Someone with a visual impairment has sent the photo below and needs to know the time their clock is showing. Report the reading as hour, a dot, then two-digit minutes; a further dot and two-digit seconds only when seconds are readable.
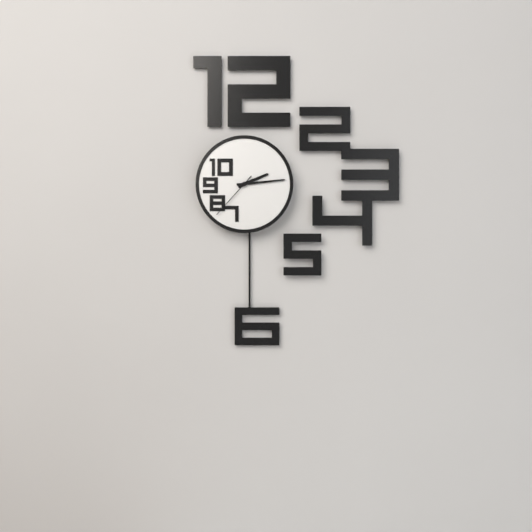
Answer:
2.14.37
